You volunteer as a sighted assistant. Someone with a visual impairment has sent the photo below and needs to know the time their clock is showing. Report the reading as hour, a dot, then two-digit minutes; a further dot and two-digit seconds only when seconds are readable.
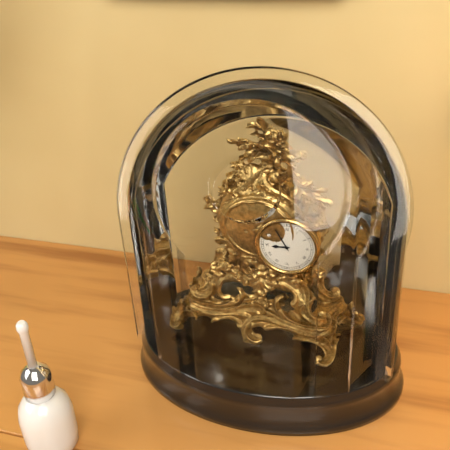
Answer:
8.55
